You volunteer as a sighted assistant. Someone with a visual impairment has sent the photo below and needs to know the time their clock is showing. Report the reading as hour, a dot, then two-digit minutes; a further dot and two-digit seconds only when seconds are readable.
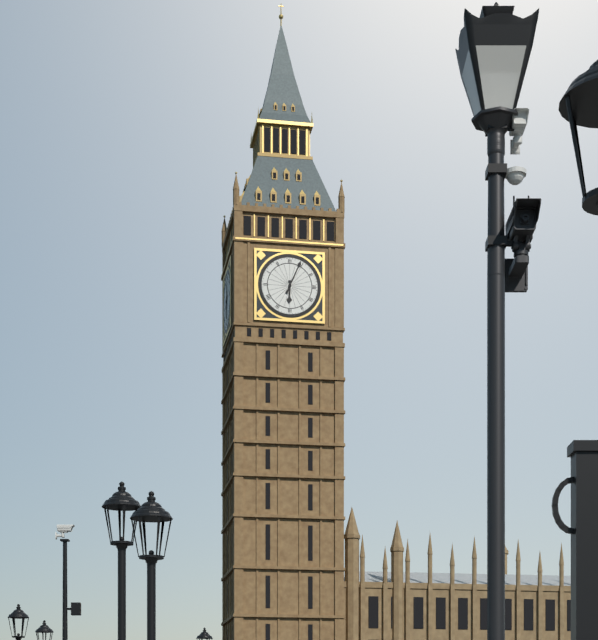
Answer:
6.04
